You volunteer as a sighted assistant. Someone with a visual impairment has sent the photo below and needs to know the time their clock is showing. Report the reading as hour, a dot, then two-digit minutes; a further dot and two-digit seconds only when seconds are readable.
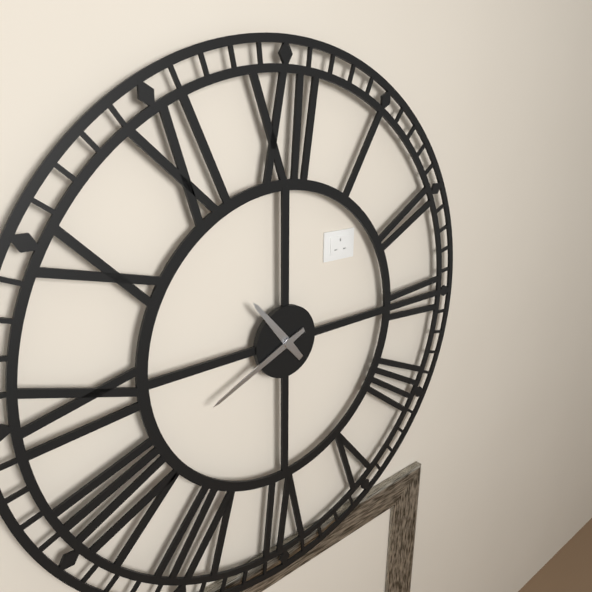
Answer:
10.41
